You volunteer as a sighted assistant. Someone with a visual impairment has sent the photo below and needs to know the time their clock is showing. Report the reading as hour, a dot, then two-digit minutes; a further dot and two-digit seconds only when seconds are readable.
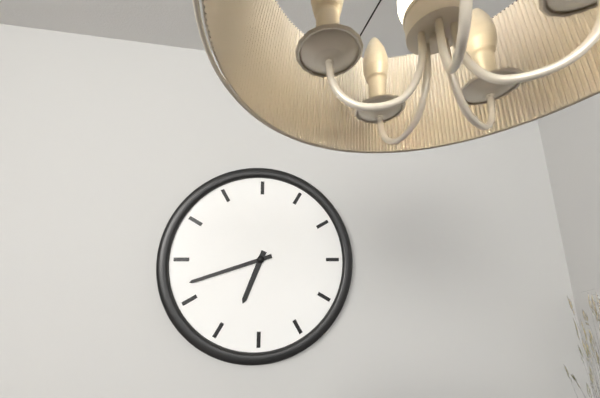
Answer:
6.42
